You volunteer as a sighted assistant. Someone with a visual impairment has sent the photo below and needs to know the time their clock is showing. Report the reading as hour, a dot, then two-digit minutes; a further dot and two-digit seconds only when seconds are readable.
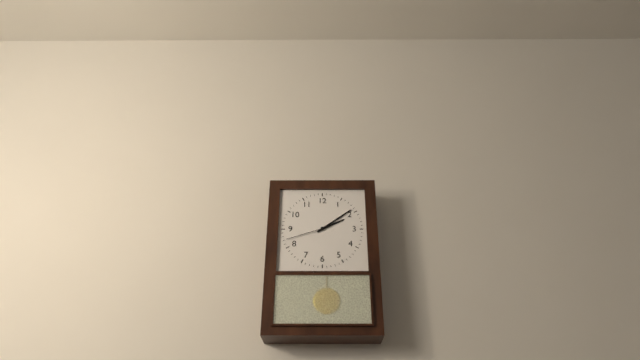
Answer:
2.09
